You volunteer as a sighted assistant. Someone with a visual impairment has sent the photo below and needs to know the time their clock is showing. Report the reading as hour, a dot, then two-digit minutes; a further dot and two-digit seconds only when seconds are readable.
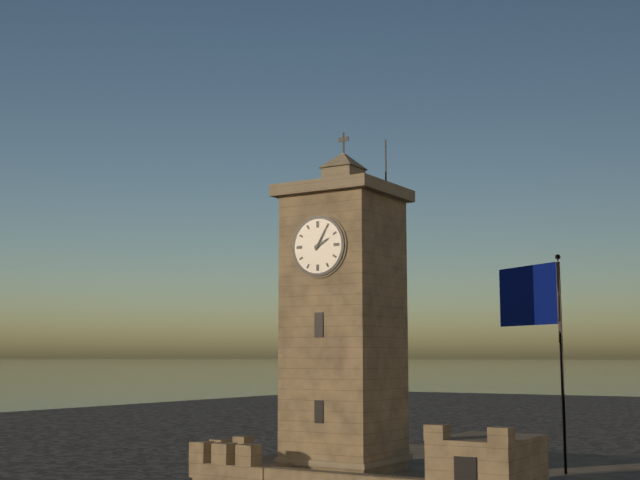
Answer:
2.05
